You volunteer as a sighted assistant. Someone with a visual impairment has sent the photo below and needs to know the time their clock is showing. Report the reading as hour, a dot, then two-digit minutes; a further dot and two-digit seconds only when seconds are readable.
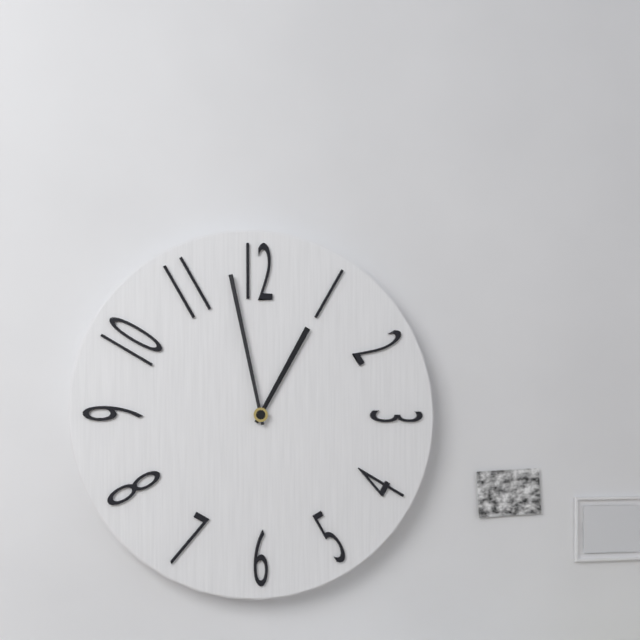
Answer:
12.58
